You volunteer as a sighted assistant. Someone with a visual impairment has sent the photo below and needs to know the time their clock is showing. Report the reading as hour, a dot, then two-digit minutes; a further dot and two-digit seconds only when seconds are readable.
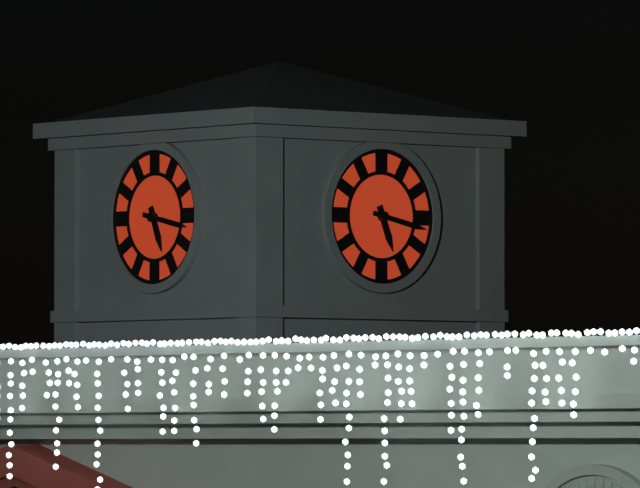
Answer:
5.17
